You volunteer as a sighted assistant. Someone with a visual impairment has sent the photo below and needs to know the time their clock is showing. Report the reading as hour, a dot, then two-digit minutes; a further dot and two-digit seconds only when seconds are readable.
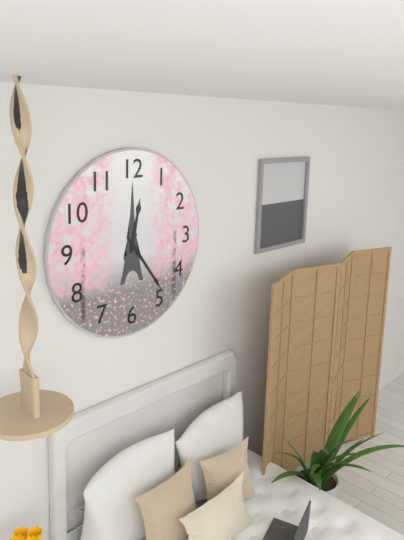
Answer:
12.24
